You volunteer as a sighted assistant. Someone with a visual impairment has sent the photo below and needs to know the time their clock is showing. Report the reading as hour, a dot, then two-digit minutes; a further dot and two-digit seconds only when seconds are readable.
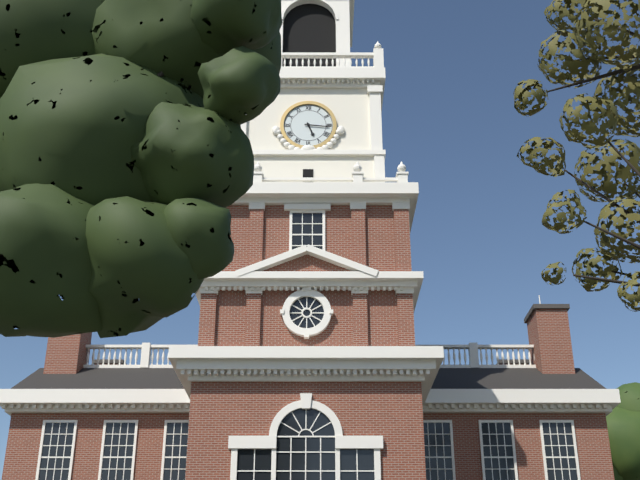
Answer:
5.16
